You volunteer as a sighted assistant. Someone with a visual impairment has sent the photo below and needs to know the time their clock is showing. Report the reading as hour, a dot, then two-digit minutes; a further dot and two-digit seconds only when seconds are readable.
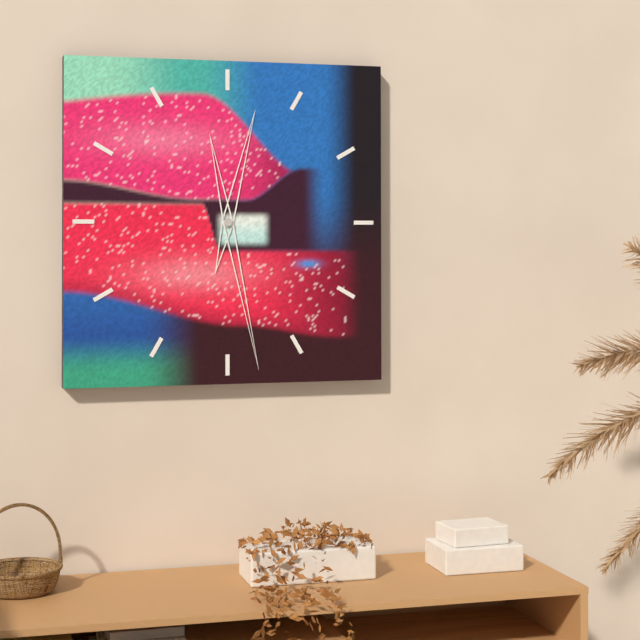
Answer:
12.28
